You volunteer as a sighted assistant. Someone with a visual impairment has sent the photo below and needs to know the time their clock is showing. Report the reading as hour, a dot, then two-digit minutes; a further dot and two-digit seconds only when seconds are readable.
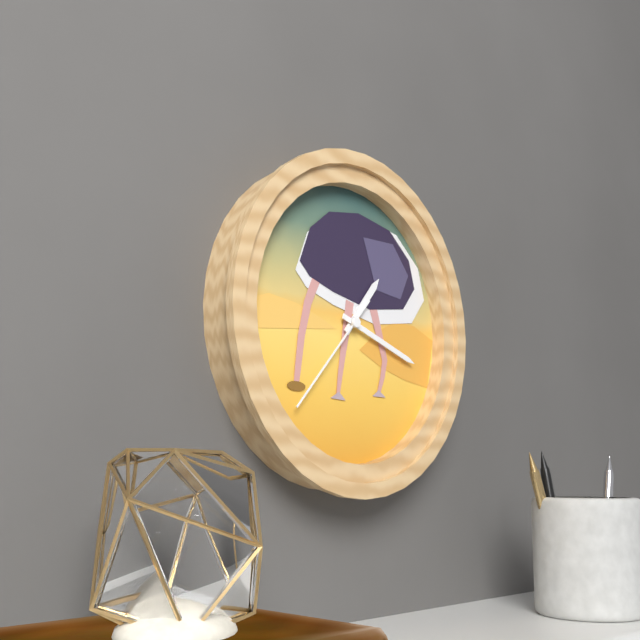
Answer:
1.18.37
